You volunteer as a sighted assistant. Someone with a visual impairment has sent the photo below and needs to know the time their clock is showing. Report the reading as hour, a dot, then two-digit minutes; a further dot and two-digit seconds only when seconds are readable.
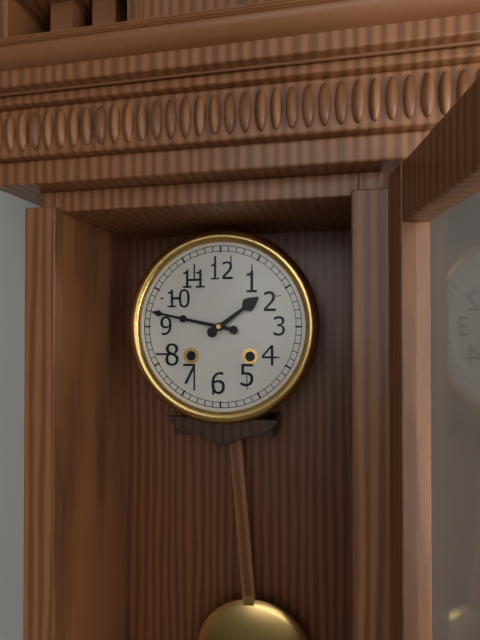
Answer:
1.47
